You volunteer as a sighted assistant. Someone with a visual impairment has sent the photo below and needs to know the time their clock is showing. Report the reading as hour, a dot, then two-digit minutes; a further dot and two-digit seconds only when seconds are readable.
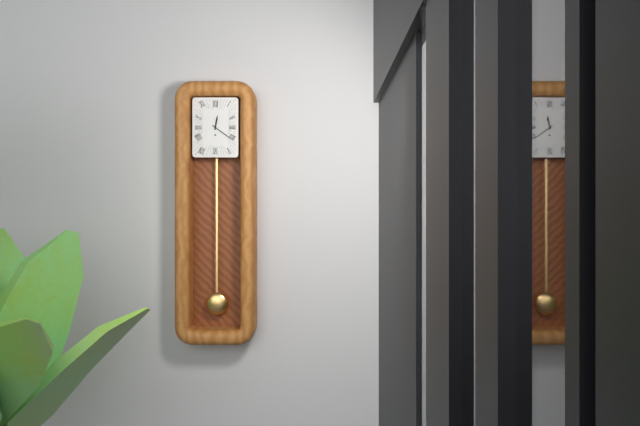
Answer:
12.21
